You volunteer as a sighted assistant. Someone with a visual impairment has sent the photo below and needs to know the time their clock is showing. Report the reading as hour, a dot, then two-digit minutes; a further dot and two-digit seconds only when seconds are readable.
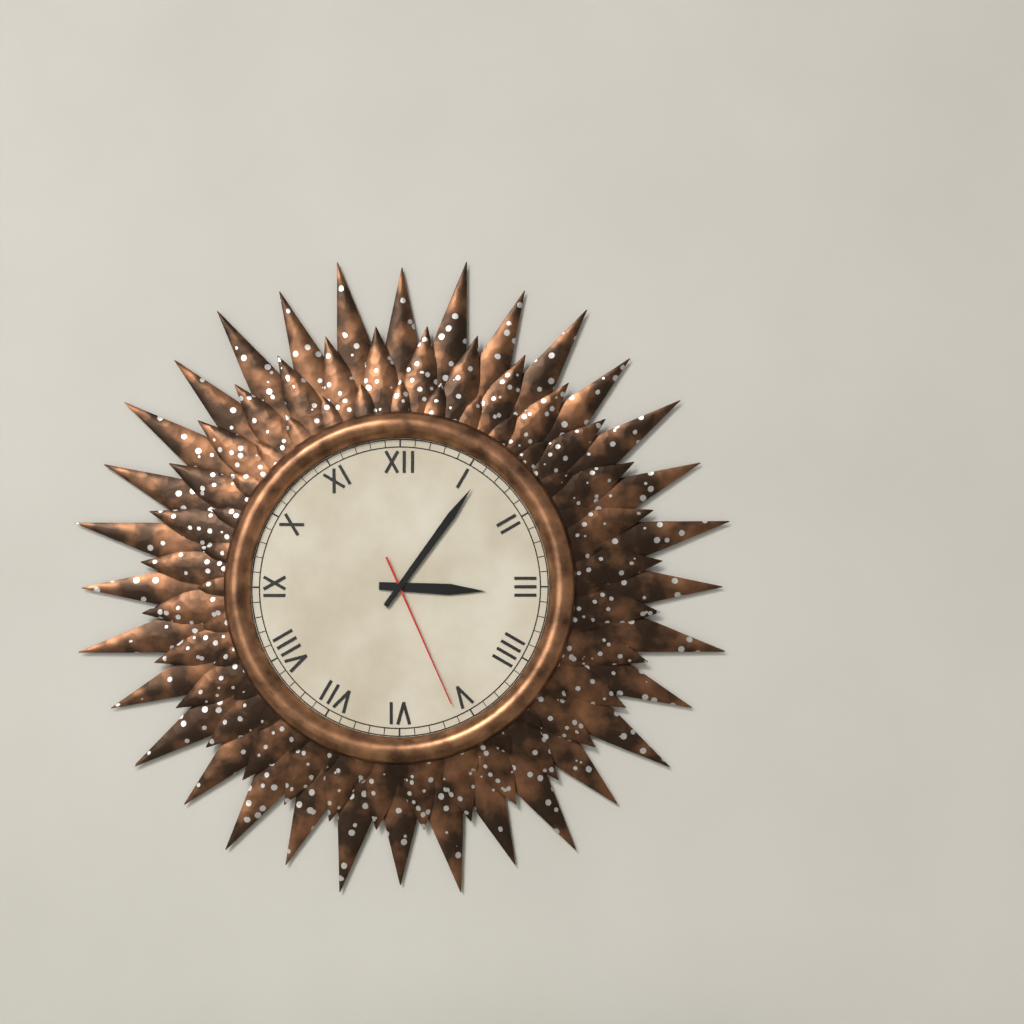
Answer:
3.06.26
